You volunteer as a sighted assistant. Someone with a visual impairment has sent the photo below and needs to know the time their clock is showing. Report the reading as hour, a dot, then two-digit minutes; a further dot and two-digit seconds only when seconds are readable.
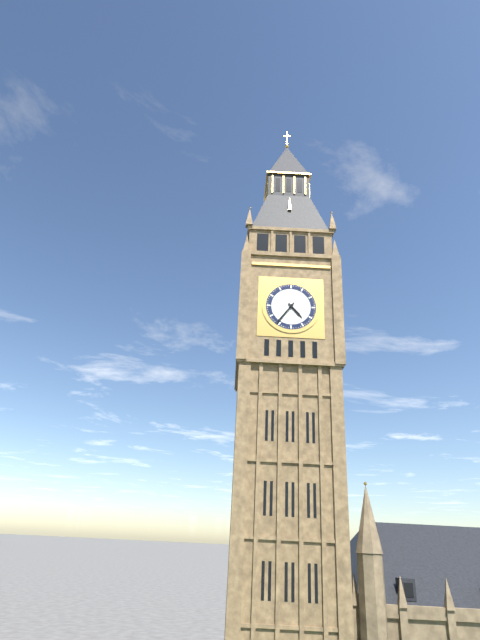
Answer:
4.36
